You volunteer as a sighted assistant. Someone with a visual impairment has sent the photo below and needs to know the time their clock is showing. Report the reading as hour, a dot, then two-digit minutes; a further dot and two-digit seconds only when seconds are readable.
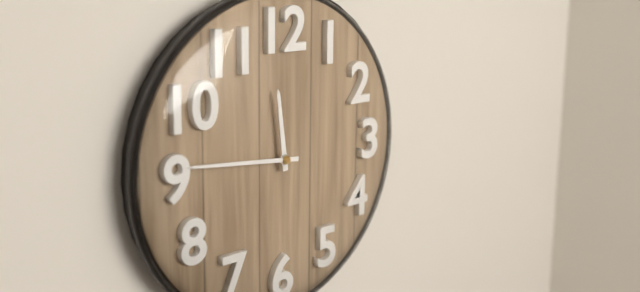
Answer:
11.46
